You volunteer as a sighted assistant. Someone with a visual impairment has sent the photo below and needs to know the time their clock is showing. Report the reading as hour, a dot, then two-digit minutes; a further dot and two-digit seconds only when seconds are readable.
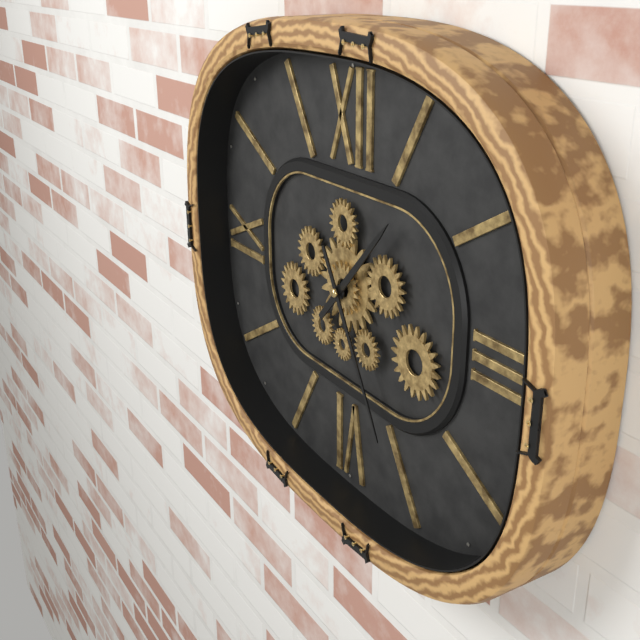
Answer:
1.25
